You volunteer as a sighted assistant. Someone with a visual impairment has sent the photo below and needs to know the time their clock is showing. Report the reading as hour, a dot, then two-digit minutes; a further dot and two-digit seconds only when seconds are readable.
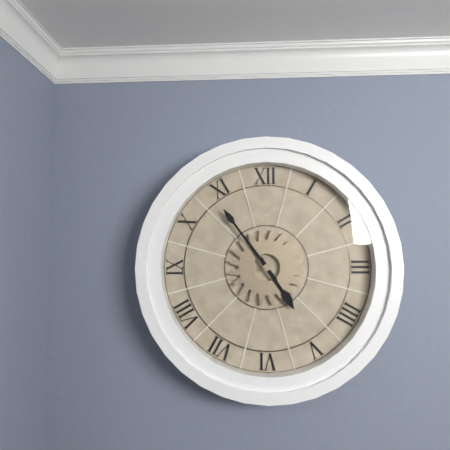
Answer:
4.54
